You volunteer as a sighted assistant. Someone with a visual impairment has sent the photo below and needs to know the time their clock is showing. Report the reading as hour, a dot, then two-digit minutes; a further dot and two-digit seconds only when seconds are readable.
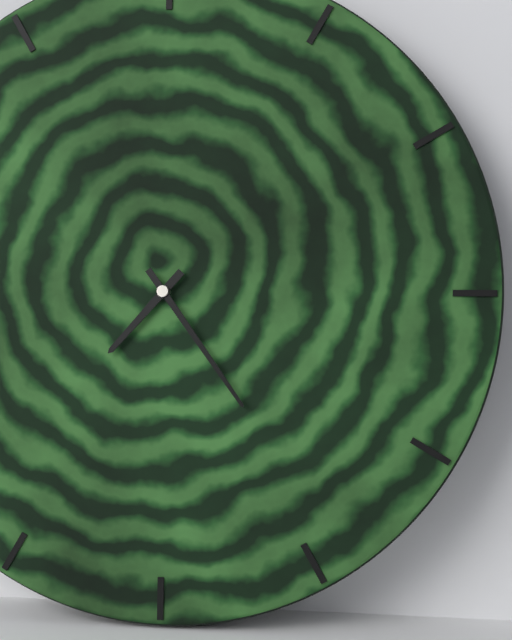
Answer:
7.24
